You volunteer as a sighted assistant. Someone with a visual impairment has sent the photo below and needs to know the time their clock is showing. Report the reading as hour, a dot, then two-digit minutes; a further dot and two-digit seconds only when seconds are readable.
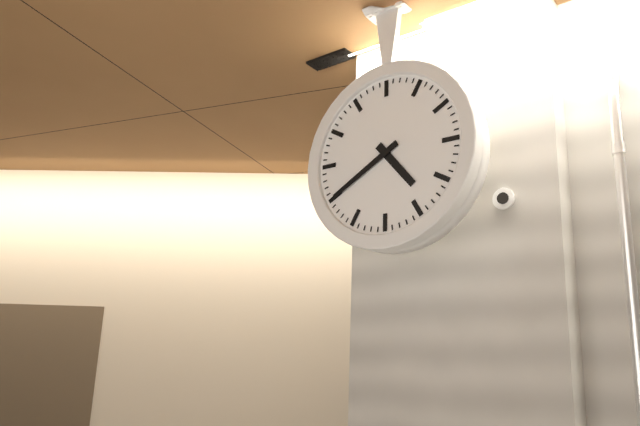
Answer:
4.40
